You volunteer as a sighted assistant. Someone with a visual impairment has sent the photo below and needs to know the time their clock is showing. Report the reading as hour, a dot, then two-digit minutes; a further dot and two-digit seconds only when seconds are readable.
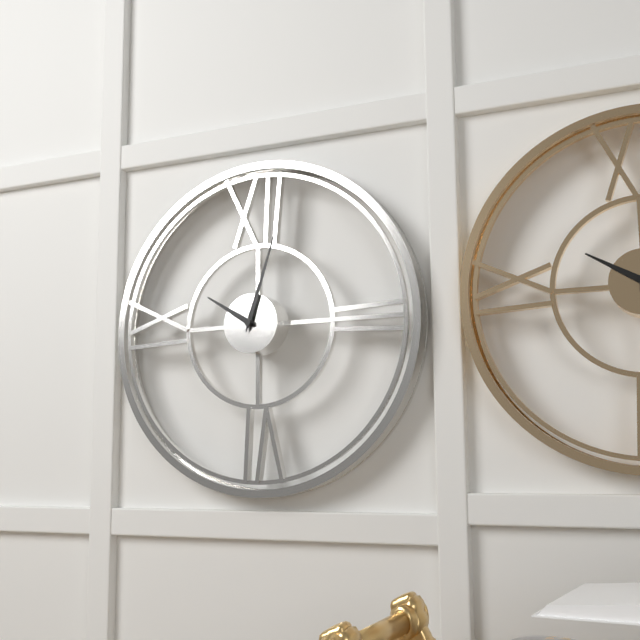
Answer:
10.03
